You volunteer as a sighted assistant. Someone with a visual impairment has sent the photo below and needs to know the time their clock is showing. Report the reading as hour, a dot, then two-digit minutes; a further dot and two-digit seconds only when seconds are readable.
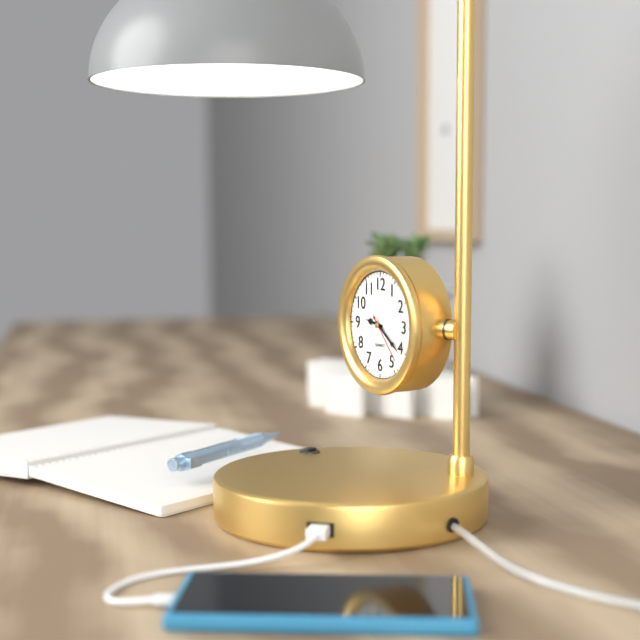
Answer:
9.21
